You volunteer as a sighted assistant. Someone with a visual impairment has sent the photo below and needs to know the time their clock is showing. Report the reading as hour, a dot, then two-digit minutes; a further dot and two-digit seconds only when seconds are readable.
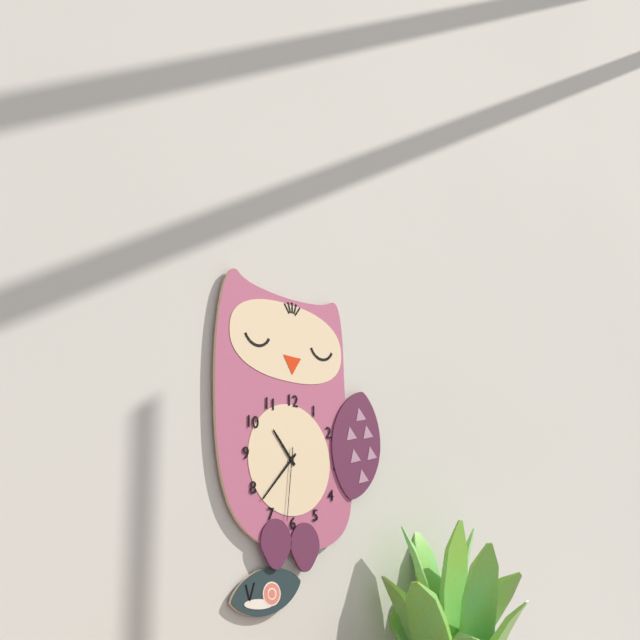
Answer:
10.37.31
